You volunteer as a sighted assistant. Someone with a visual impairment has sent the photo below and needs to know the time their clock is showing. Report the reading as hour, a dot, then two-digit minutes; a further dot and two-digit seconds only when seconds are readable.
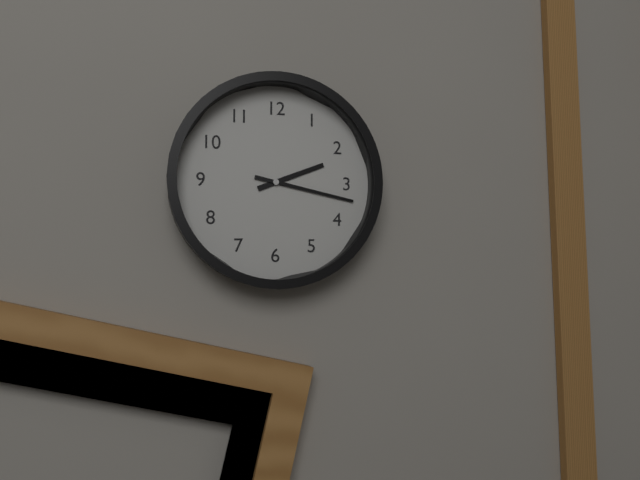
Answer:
2.17
